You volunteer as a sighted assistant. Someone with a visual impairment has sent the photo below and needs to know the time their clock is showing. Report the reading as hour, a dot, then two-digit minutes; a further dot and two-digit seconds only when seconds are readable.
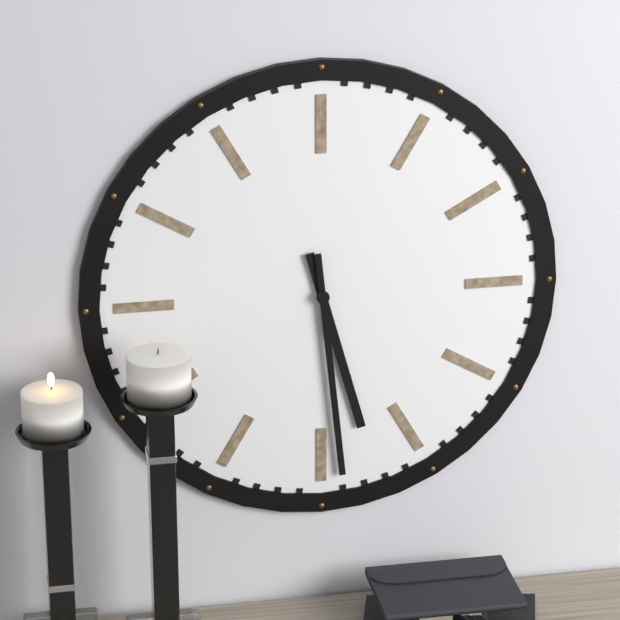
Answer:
5.29
